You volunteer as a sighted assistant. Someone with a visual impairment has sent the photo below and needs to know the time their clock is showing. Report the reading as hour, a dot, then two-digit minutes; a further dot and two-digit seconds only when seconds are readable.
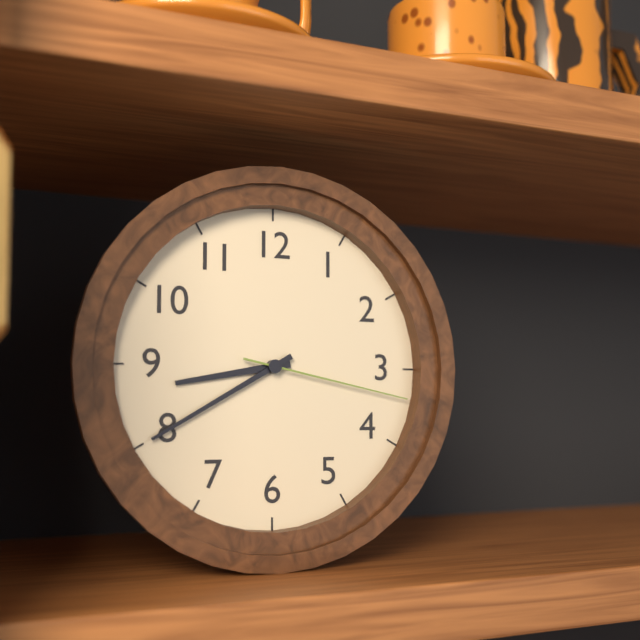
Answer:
8.40.17
